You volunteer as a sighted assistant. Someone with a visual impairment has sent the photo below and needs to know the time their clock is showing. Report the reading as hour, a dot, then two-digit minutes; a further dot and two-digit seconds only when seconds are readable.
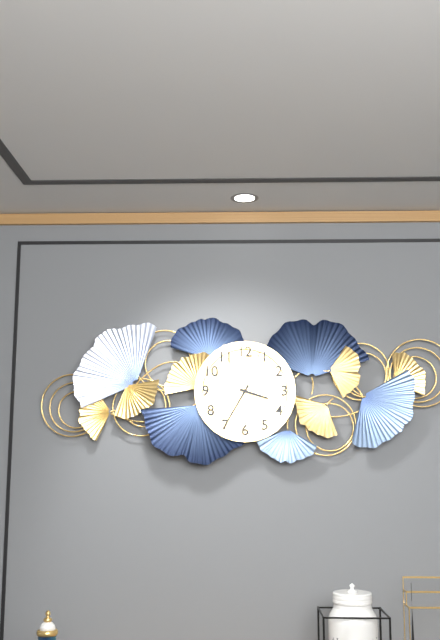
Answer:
3.35
